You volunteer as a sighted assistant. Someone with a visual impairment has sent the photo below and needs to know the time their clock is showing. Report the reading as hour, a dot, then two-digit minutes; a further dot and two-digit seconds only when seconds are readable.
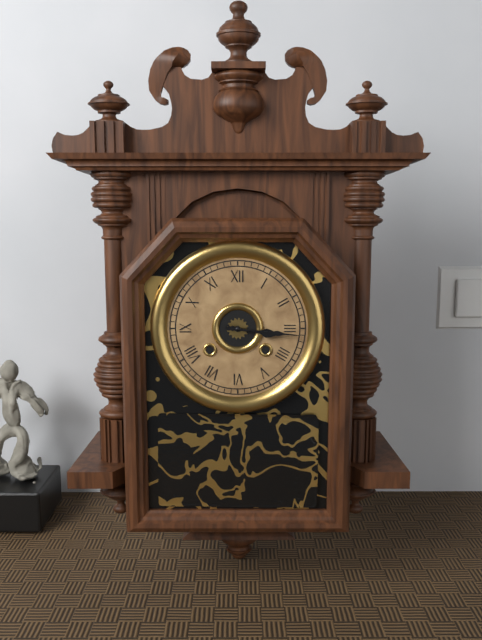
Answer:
3.16
